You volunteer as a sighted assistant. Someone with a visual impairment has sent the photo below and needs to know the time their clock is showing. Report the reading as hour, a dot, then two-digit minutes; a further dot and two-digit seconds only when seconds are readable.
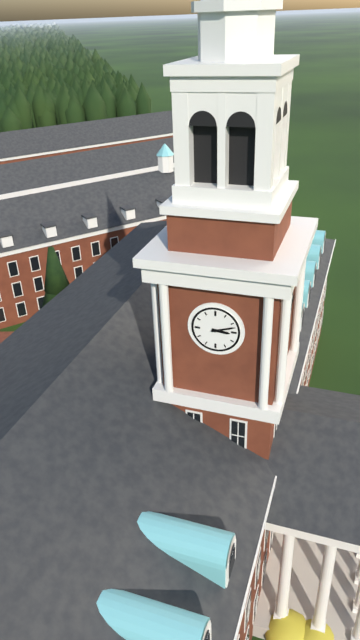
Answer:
3.12
